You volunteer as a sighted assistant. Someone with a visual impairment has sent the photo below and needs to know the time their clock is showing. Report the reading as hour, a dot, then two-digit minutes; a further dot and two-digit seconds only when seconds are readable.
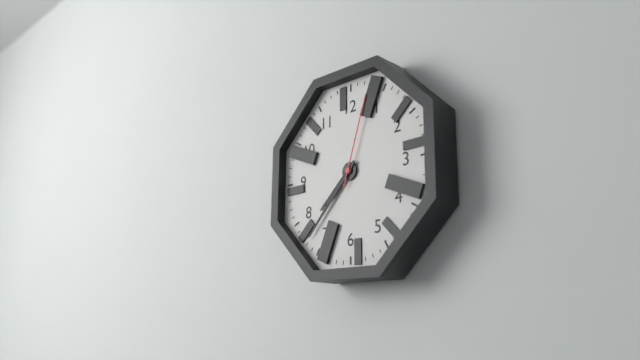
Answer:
7.37.03
